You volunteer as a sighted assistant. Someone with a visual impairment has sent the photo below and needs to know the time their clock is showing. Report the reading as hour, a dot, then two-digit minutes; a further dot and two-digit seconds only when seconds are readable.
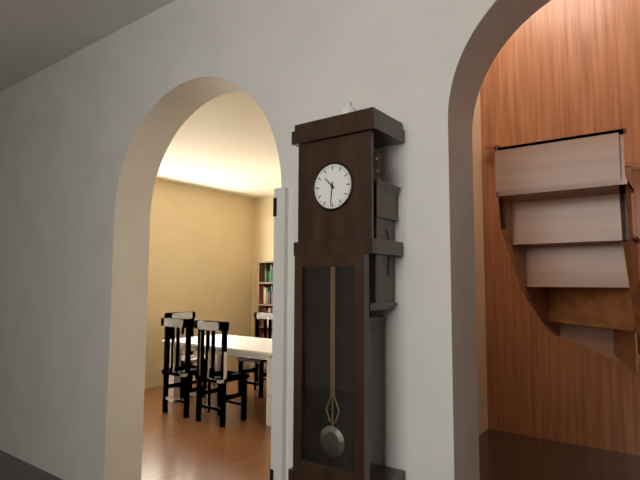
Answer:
10.31
